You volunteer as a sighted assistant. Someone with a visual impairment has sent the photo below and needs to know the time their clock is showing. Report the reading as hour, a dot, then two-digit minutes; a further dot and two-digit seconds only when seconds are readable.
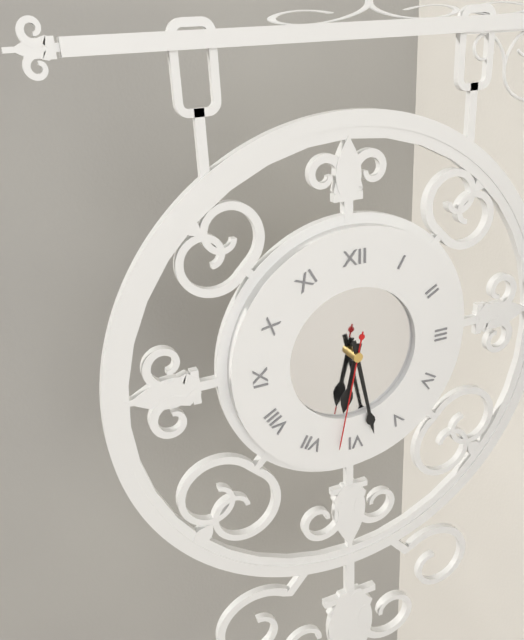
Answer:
6.28.32
